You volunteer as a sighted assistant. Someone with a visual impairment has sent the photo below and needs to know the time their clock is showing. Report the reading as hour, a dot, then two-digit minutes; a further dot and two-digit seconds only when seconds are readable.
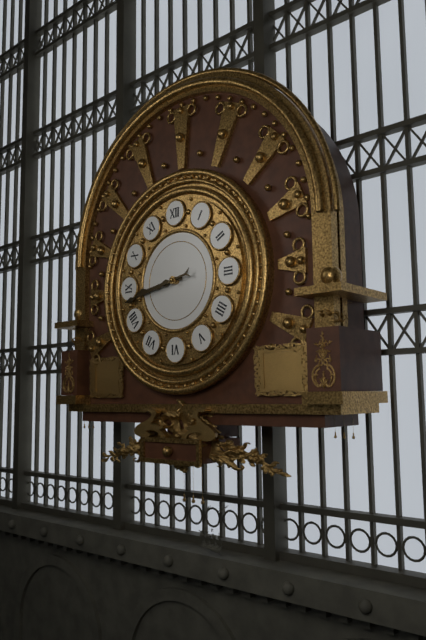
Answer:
8.43
